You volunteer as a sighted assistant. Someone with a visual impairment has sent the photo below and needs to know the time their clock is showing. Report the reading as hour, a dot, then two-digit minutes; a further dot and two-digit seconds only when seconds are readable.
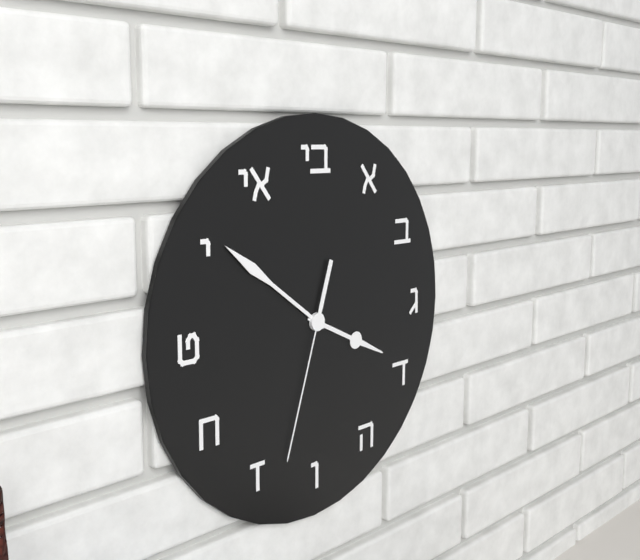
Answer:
3.51.33
